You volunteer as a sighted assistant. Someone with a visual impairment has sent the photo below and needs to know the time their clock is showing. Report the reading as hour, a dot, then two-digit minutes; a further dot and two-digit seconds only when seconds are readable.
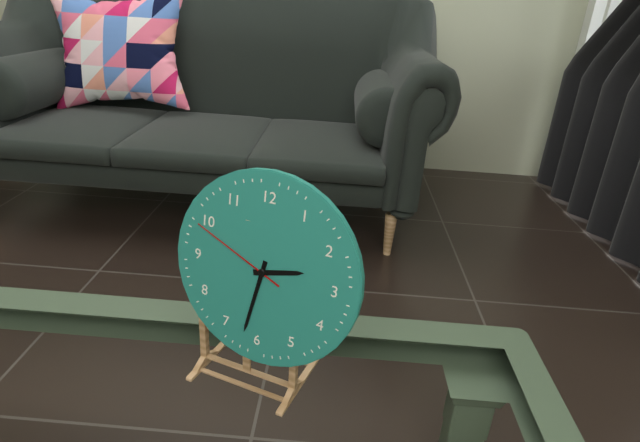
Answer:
2.32.49
